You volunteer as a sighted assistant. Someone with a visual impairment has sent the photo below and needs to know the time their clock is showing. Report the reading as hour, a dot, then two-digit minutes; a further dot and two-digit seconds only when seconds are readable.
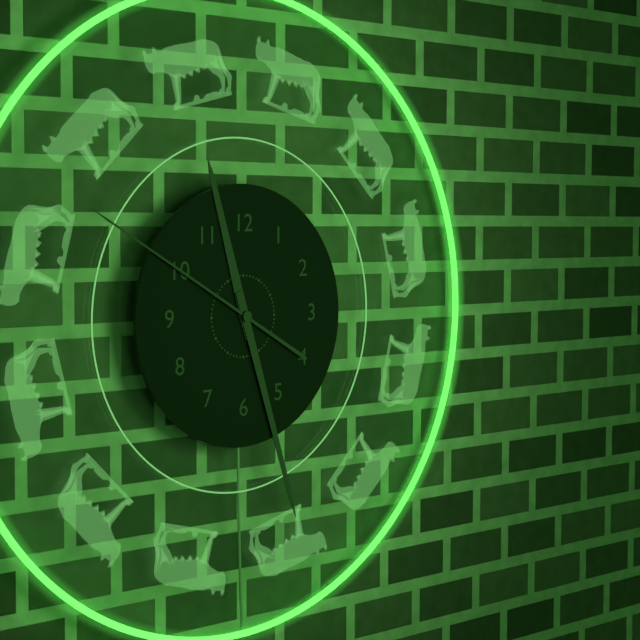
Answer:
11.27.50
